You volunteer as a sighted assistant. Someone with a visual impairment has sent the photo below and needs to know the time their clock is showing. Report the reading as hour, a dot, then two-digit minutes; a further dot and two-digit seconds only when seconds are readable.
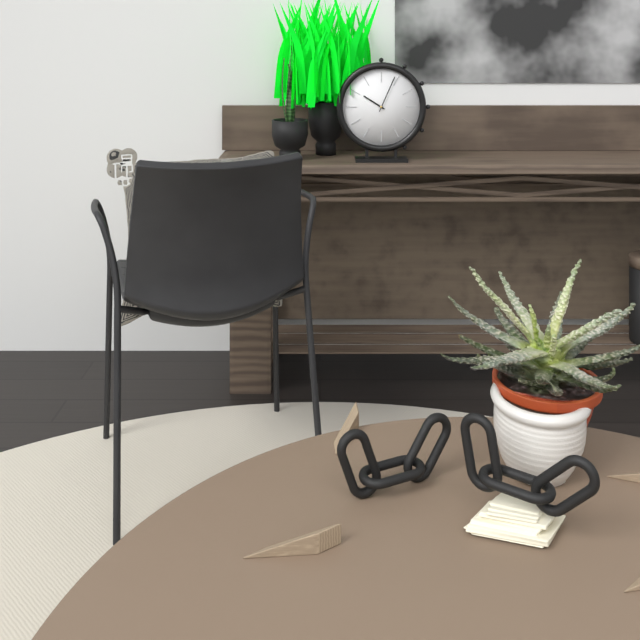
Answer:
10.04
